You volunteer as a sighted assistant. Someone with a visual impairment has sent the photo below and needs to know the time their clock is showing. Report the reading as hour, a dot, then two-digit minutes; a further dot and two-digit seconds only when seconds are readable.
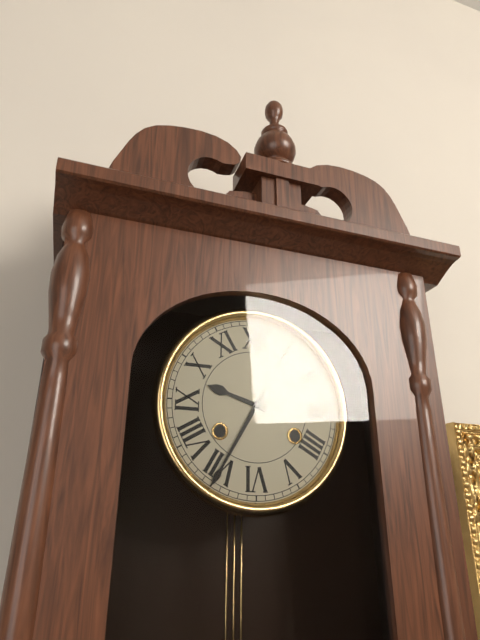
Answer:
9.35
